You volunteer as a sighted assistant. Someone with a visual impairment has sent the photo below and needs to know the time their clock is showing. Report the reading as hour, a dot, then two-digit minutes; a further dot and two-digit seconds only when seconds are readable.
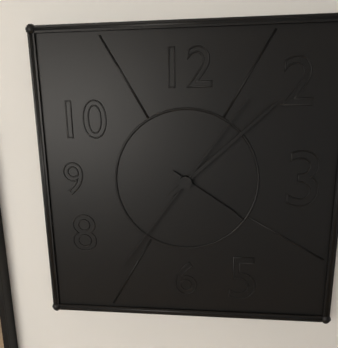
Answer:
4.08.36
